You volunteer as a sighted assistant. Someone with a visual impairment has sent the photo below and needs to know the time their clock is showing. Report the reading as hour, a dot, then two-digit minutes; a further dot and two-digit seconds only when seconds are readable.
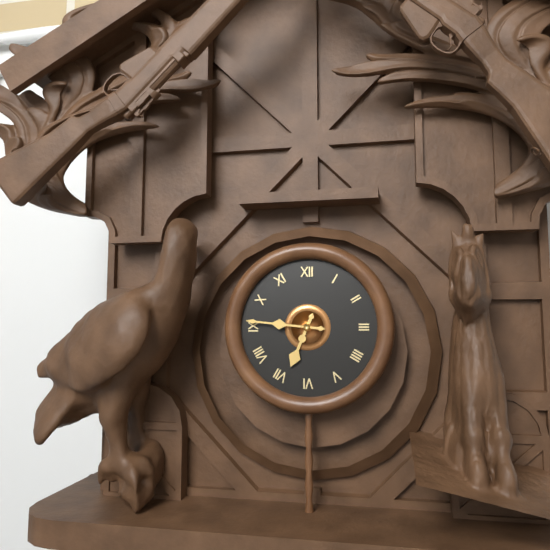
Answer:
6.46
